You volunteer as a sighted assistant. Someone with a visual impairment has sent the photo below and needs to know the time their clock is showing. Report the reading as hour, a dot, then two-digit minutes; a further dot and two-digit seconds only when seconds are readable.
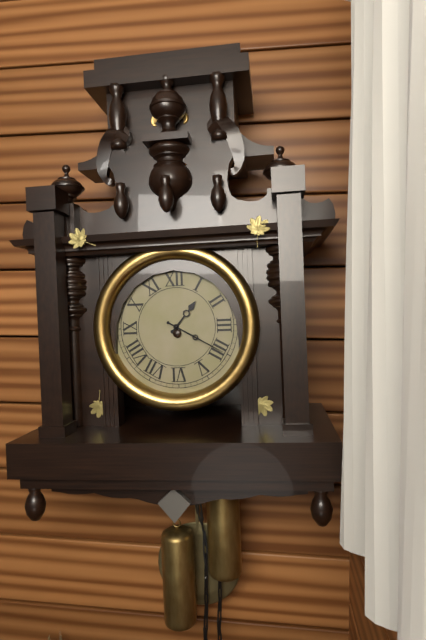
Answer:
1.20
